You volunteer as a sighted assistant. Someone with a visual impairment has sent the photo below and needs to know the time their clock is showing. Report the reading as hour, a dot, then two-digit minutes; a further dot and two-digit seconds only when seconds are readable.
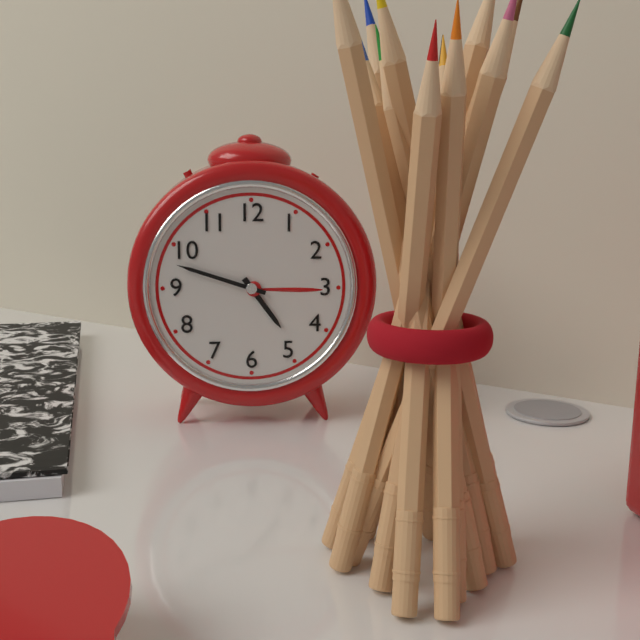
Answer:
4.48
